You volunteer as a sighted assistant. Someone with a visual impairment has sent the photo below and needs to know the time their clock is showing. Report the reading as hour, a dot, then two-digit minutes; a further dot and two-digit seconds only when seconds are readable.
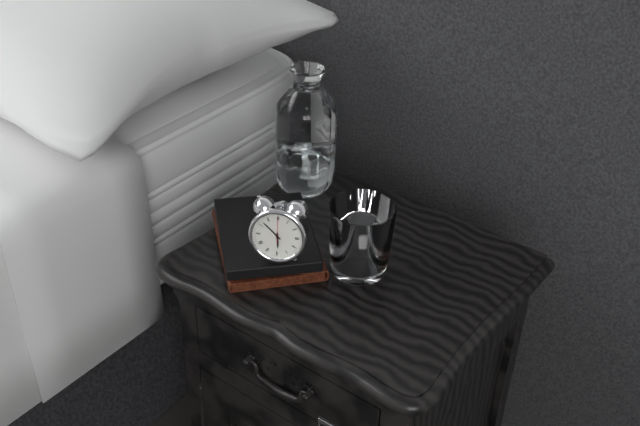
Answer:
5.52
